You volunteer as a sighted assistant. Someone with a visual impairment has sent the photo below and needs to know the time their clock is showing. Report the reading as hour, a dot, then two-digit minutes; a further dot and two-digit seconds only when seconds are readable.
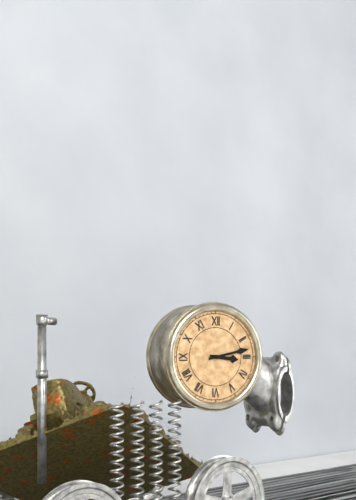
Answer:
3.13
